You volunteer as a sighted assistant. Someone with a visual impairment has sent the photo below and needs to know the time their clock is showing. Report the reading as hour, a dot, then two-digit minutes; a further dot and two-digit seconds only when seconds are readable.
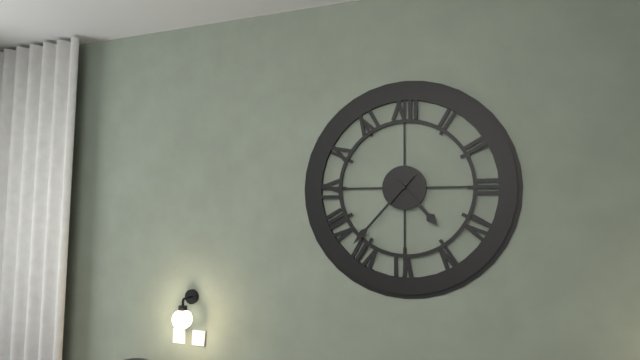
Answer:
4.37
